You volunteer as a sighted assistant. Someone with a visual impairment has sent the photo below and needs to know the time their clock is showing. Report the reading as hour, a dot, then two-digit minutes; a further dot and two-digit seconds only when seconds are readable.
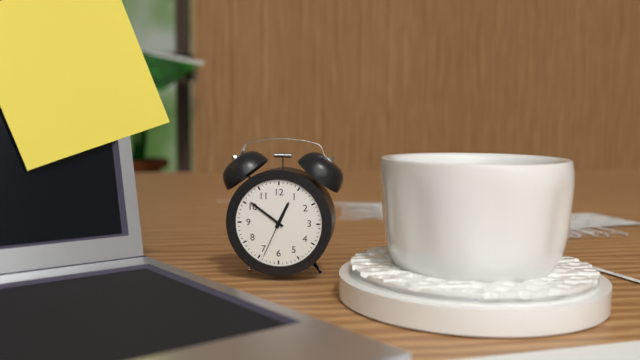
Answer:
12.51
